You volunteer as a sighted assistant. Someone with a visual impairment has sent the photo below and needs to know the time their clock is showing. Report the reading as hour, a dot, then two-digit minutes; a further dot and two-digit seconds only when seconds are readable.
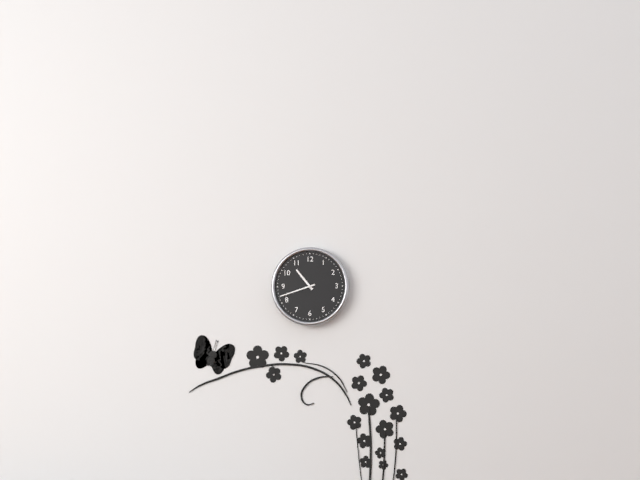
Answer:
10.42
